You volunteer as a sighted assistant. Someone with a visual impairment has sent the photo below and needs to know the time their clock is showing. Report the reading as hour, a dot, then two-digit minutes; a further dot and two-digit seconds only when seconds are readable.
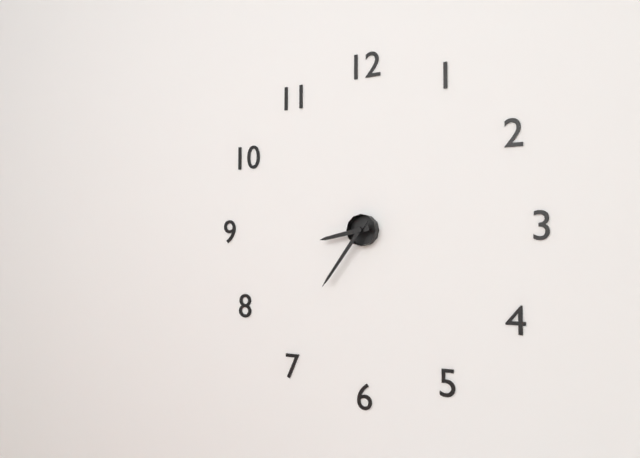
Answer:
8.36
